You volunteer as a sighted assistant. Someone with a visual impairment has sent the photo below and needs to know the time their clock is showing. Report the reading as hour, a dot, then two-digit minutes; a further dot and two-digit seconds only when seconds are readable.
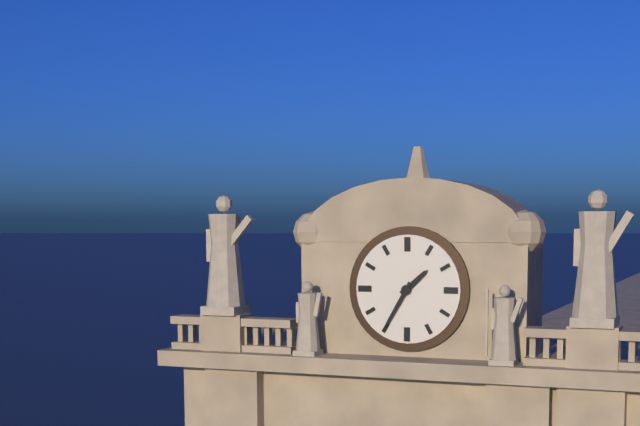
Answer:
1.35
